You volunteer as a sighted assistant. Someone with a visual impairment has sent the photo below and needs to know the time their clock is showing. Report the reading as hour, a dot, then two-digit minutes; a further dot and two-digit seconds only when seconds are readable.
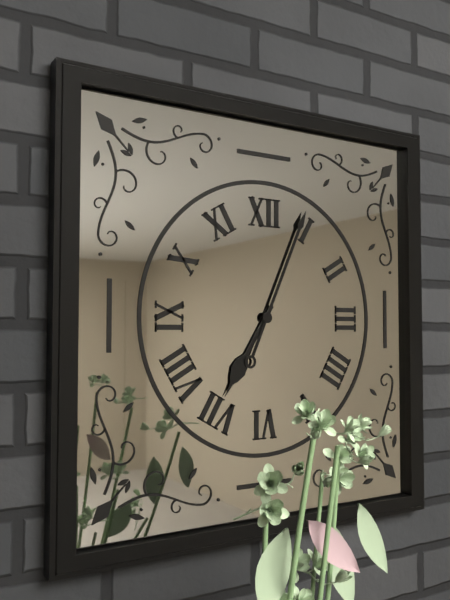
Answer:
7.04
